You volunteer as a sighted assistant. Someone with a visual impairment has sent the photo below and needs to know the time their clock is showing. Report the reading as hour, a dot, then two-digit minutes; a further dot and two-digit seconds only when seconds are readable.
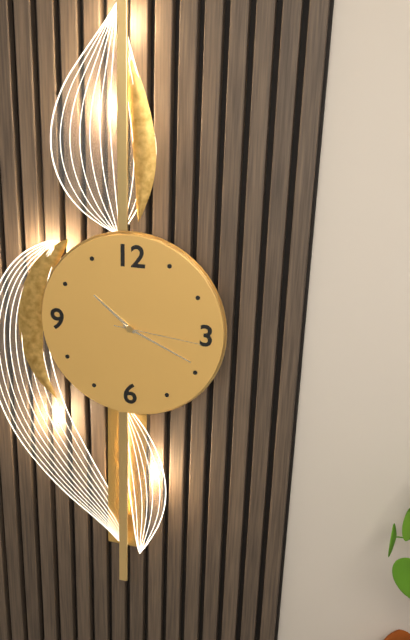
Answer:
10.19.16
